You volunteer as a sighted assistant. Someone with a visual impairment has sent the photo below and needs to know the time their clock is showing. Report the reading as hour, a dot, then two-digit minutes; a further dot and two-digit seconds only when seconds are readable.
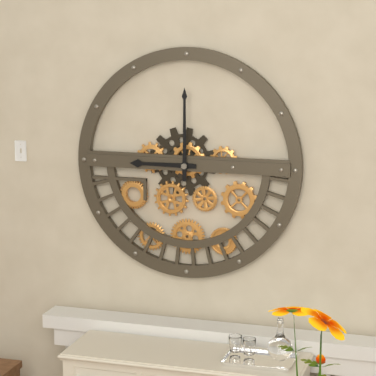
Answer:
9.00
